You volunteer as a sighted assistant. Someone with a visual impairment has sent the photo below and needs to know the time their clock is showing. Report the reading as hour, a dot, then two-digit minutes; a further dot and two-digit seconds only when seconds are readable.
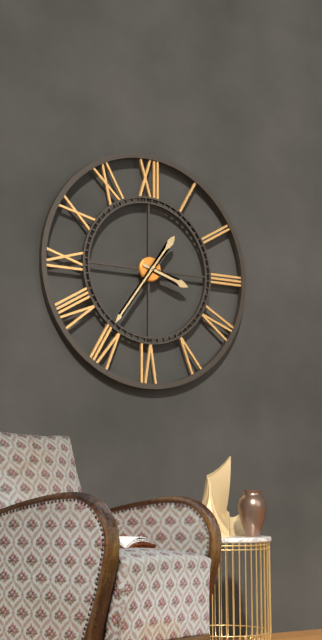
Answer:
3.36
